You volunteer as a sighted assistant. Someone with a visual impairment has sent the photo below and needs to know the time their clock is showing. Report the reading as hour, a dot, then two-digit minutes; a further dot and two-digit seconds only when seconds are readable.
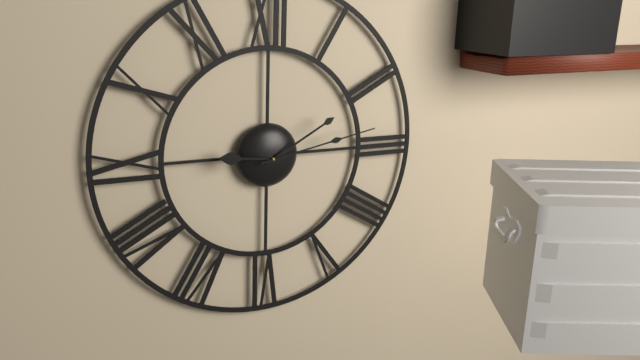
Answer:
9.10.13
